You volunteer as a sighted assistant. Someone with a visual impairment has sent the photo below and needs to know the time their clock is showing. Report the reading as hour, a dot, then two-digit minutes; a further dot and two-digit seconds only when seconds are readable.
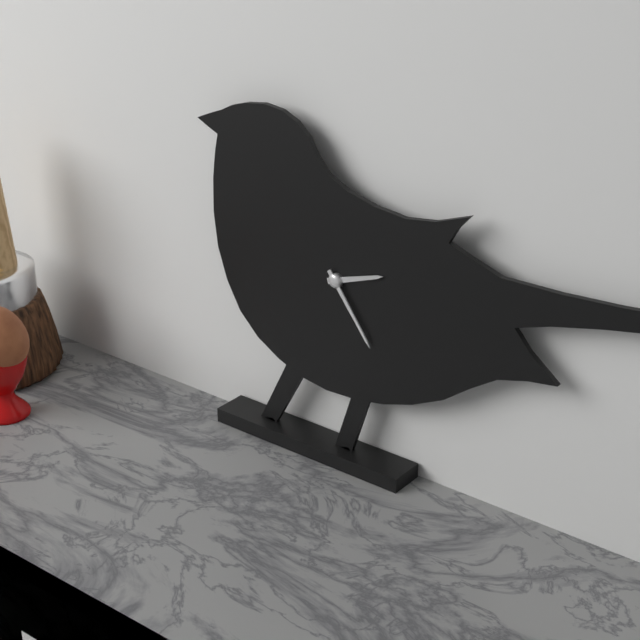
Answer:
2.24
